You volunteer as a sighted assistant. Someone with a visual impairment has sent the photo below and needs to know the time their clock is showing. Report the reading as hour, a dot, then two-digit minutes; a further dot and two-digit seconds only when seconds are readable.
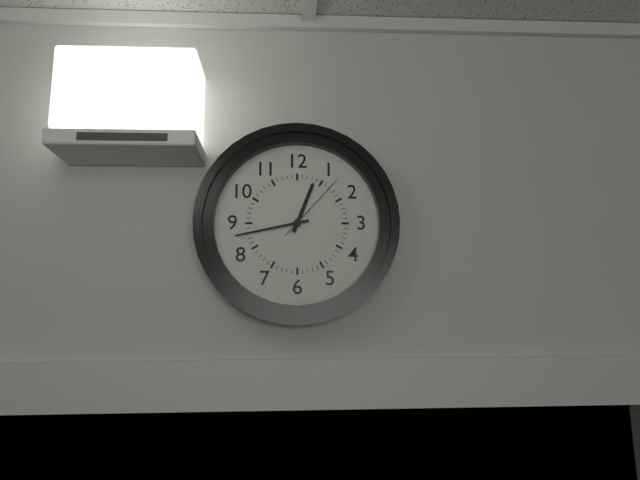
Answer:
12.43.07
